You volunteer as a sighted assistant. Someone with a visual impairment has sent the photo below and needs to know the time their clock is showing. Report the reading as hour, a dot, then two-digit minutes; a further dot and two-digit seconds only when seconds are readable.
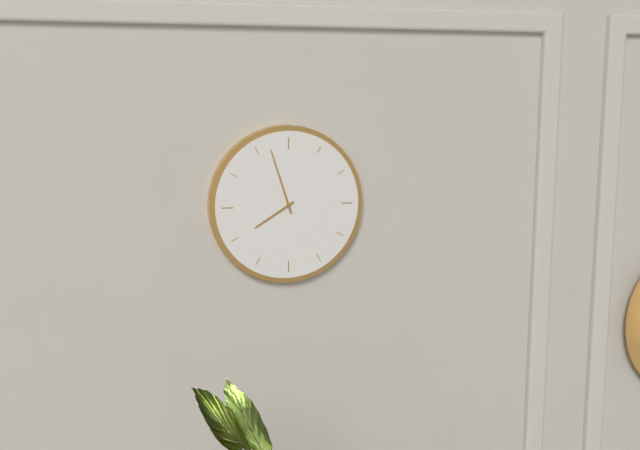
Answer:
7.57
